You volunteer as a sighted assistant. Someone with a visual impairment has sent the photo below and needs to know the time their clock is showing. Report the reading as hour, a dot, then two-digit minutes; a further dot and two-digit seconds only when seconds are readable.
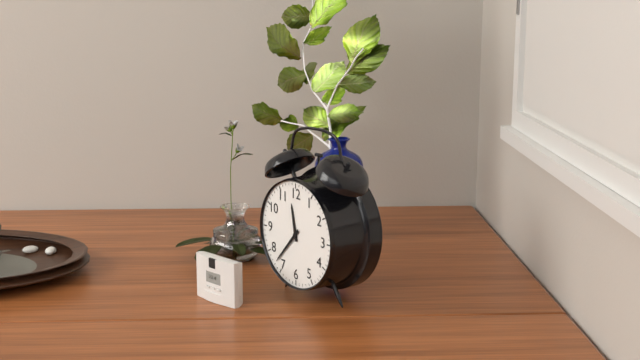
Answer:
11.37
